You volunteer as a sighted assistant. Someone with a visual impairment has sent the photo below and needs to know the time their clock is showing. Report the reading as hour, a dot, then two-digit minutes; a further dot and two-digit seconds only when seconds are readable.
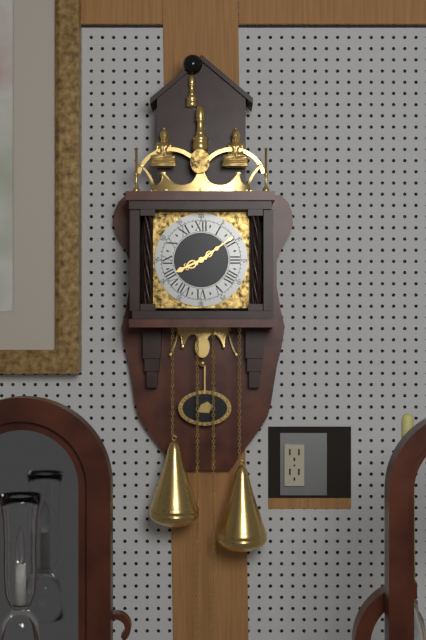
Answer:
8.09
